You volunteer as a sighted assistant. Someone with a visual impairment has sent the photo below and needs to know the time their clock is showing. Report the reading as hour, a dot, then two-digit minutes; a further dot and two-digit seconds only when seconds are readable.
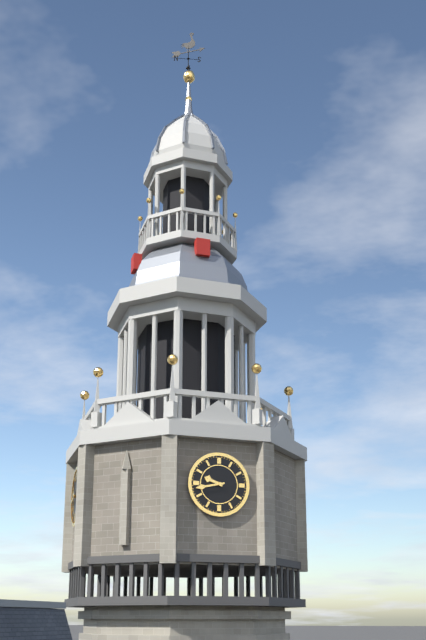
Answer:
9.43
